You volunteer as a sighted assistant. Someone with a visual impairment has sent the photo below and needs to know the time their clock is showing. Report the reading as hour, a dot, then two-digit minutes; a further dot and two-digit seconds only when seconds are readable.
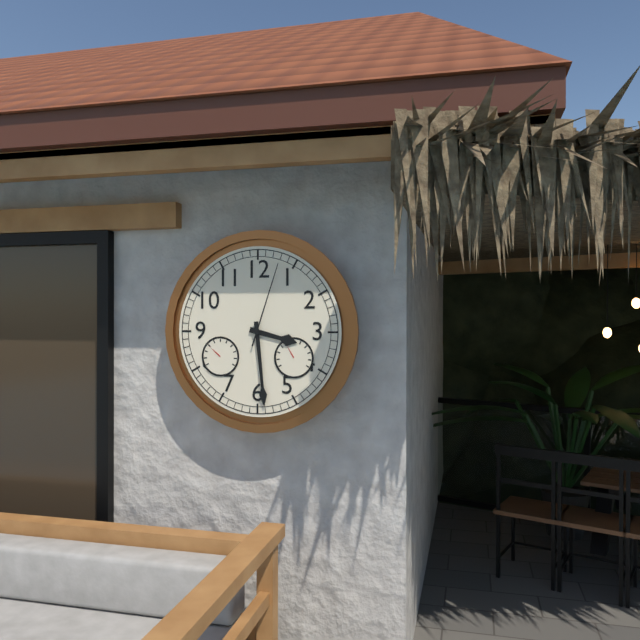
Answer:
3.29.03
